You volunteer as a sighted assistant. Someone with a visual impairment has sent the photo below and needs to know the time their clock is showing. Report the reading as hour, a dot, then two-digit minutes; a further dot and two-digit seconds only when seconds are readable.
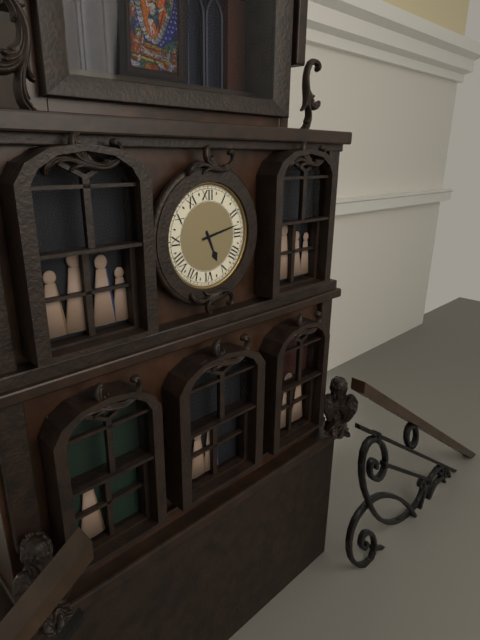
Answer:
5.13
